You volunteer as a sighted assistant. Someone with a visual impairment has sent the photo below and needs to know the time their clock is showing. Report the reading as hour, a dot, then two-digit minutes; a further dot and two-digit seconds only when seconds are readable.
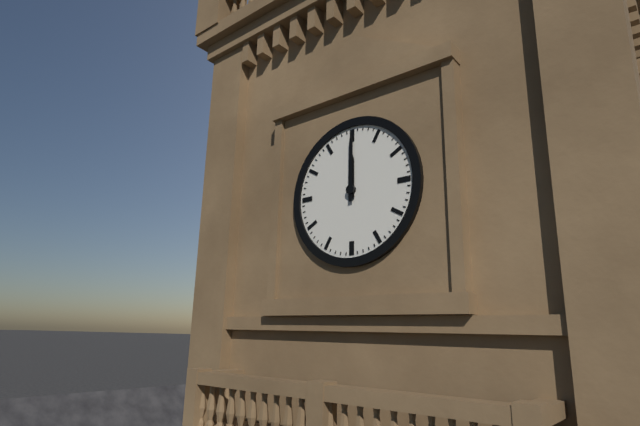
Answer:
12.00
